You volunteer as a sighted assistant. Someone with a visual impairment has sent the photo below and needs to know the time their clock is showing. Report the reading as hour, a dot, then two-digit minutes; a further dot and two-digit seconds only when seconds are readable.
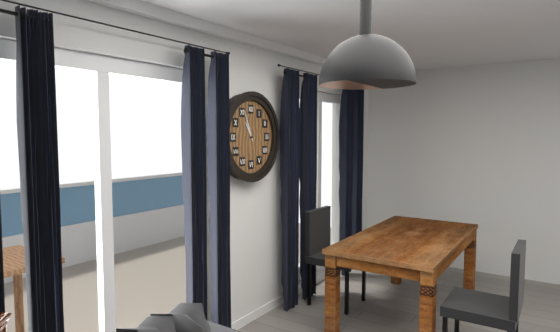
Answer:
10.56
